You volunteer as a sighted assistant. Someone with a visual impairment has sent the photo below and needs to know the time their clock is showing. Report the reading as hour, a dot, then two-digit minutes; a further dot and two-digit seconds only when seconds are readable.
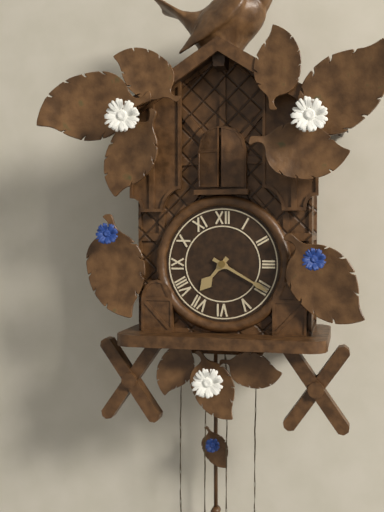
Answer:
7.20
